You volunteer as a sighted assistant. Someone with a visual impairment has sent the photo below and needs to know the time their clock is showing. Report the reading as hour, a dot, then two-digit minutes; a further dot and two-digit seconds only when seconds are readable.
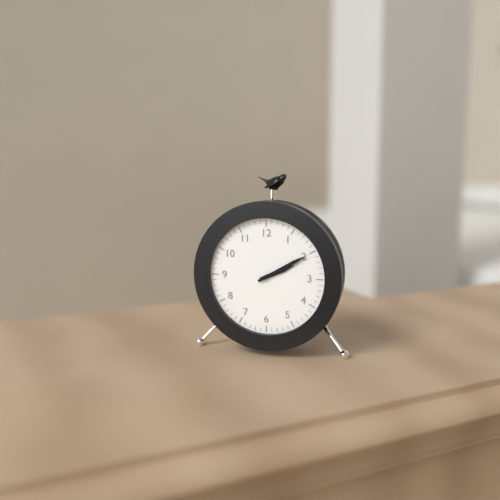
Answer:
2.10
